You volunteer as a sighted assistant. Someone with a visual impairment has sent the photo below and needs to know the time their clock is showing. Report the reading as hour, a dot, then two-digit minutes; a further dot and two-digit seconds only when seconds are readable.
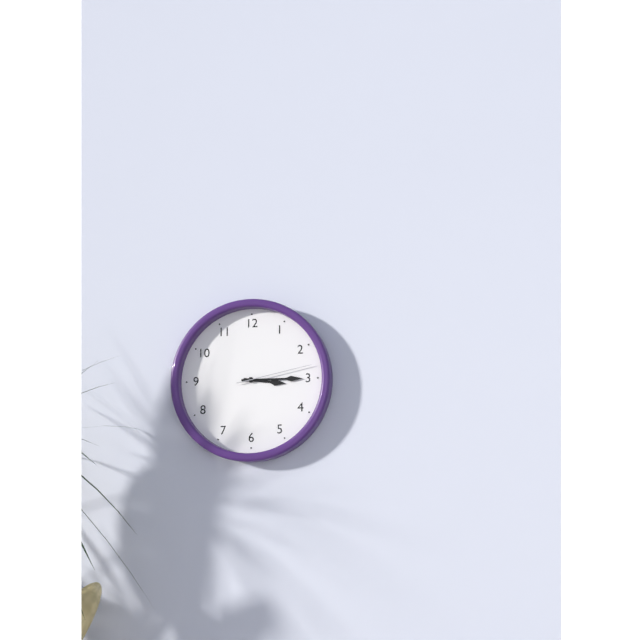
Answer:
3.15.13
